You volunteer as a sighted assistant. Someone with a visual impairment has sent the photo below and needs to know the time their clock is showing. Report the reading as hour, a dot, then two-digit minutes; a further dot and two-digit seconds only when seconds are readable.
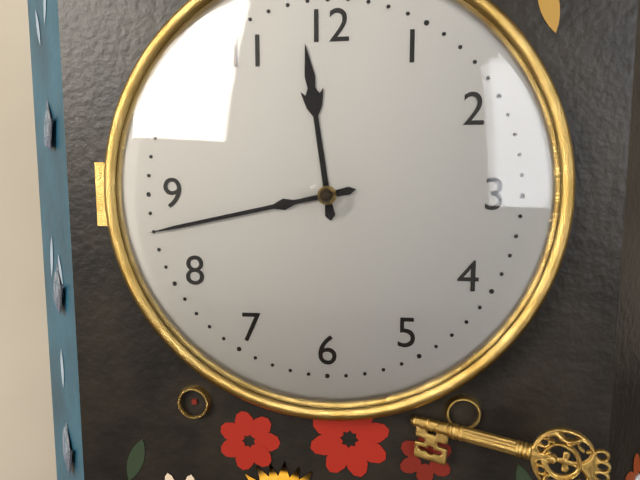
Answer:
11.43
